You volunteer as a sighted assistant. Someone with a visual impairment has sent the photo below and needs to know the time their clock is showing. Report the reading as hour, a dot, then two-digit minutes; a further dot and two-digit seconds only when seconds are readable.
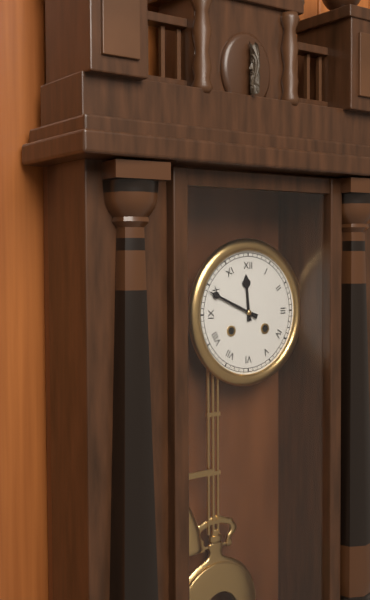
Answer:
11.49
